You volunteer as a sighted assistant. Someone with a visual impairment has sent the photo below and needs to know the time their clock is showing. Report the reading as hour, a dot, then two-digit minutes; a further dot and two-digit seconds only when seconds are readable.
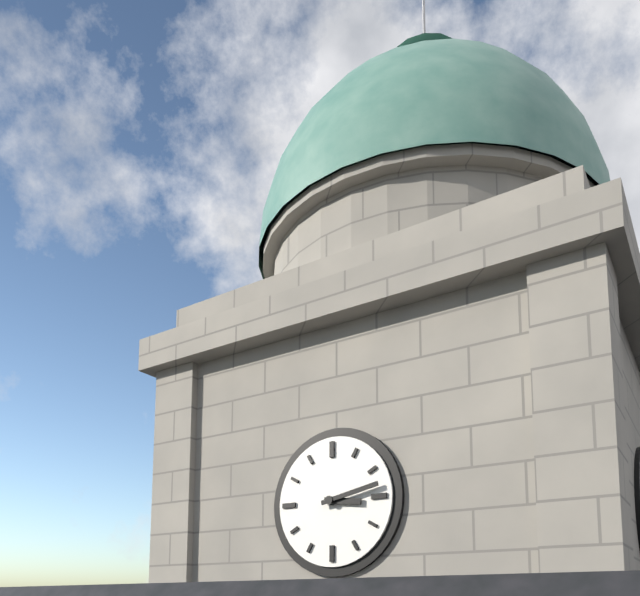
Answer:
3.13
